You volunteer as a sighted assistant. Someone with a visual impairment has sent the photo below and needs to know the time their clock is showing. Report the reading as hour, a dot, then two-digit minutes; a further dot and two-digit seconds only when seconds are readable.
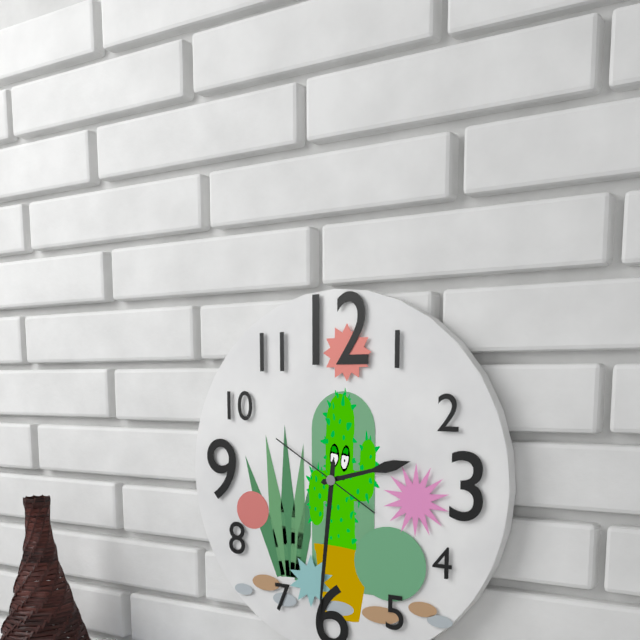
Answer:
2.31.50
